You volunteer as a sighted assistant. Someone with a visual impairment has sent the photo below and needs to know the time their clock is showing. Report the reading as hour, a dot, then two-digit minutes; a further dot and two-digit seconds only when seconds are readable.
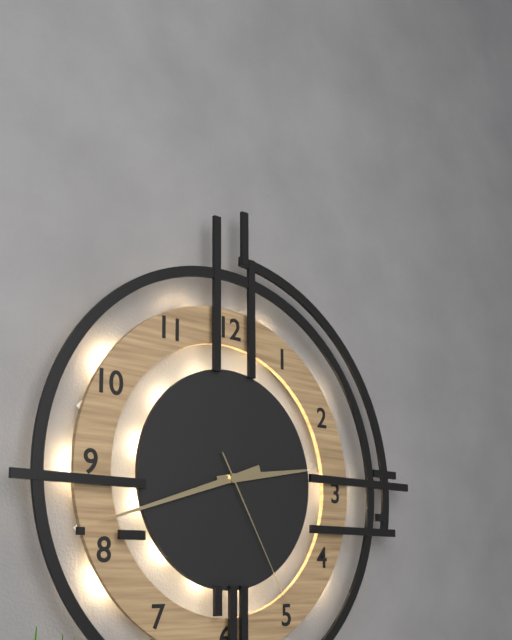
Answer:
2.42.25
